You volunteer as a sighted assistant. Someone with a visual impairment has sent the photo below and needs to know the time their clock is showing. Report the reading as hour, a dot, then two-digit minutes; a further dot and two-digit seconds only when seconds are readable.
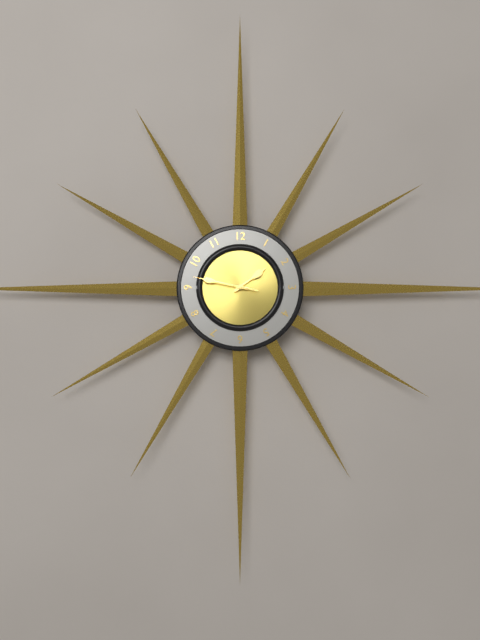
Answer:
1.47.47
